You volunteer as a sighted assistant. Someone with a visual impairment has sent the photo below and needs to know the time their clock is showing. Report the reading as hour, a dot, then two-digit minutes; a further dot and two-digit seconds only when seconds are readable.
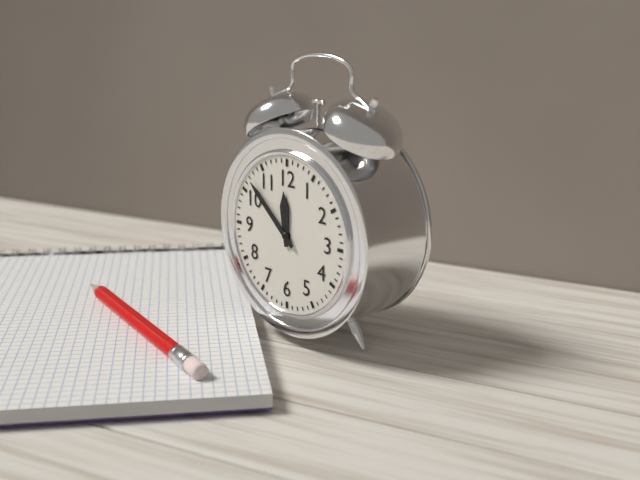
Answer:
11.52
